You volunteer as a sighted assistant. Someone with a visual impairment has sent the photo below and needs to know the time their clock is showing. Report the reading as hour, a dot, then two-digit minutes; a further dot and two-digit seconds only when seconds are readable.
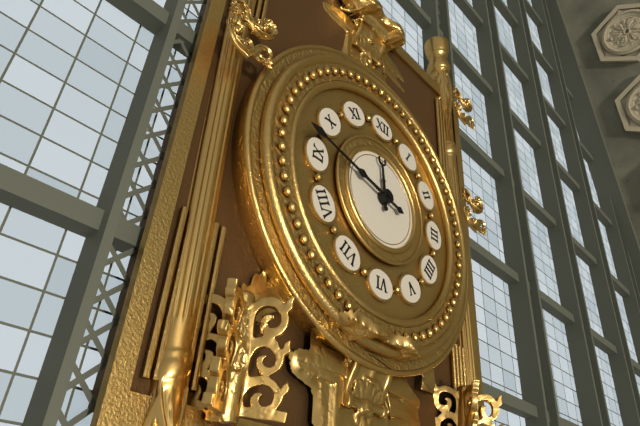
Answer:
11.47
